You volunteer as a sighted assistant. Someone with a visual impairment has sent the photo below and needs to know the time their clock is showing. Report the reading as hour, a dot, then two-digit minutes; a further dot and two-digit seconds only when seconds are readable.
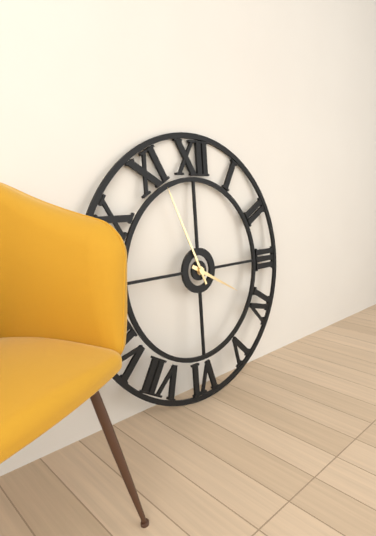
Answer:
3.56
